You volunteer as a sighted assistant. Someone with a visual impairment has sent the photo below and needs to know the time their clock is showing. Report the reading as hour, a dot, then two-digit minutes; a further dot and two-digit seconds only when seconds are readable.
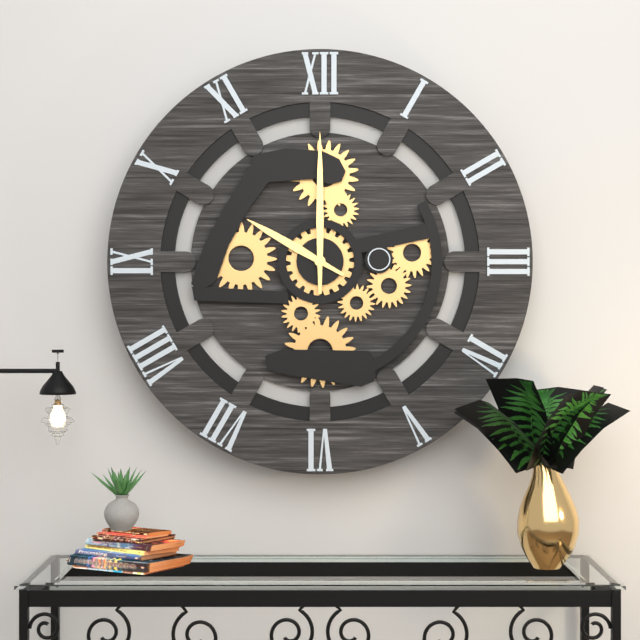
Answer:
10.00
